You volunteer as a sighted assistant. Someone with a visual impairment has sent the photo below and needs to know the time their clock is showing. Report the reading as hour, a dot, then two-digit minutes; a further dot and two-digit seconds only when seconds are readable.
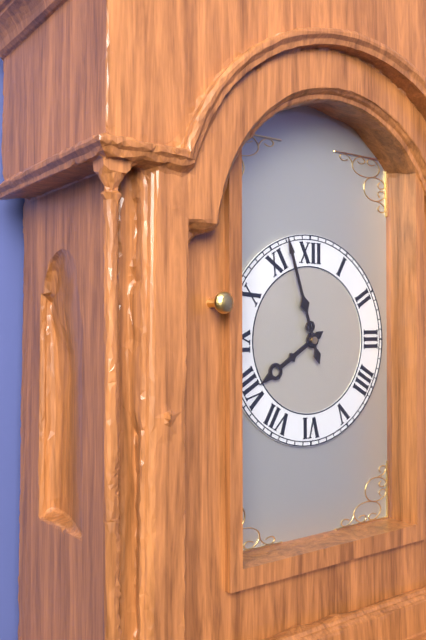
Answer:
7.57
